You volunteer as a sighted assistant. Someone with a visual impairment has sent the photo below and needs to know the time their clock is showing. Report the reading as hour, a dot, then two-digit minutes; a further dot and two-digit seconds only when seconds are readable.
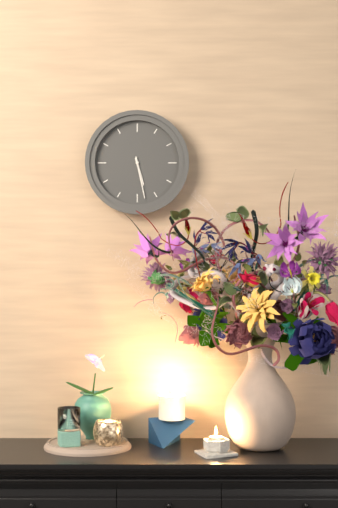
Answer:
5.28
